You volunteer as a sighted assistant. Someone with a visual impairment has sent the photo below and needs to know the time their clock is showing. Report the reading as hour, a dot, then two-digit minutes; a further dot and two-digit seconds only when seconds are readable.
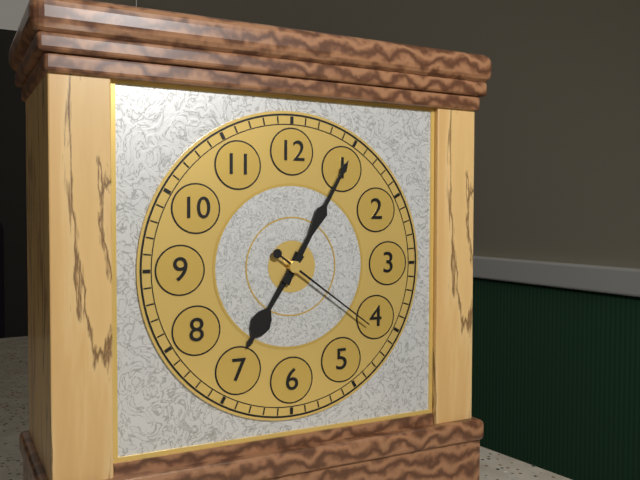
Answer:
7.05.21
